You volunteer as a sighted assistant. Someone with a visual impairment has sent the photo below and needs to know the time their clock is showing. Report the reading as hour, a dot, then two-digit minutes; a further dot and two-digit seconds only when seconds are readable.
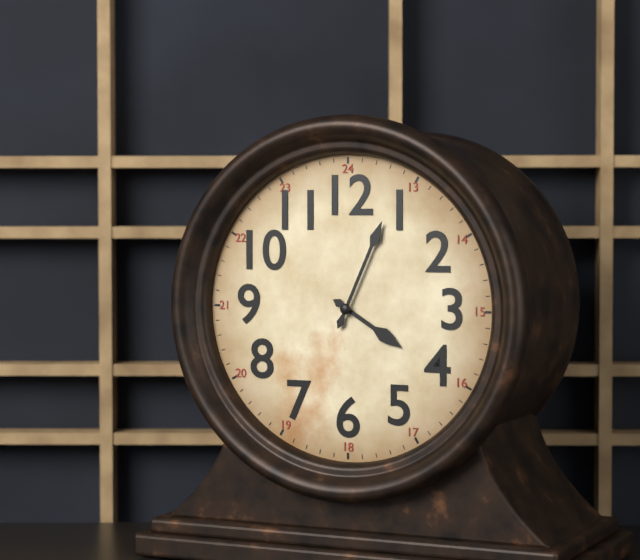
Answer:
4.04
